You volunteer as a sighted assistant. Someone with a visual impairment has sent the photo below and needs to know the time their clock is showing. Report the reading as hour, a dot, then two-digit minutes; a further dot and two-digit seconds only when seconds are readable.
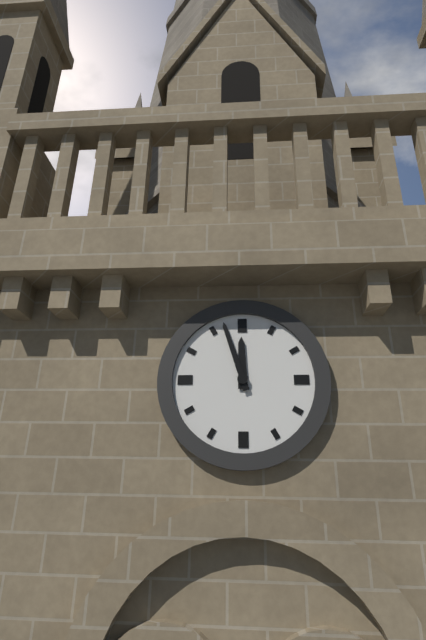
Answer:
11.57
